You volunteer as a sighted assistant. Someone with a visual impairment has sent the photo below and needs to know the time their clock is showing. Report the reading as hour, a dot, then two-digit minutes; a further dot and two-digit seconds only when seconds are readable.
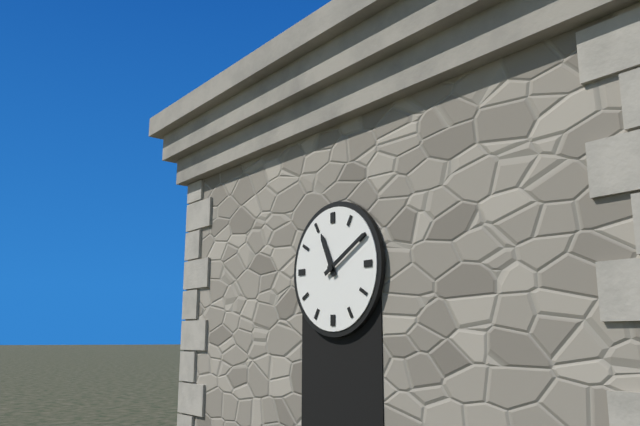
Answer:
11.10
